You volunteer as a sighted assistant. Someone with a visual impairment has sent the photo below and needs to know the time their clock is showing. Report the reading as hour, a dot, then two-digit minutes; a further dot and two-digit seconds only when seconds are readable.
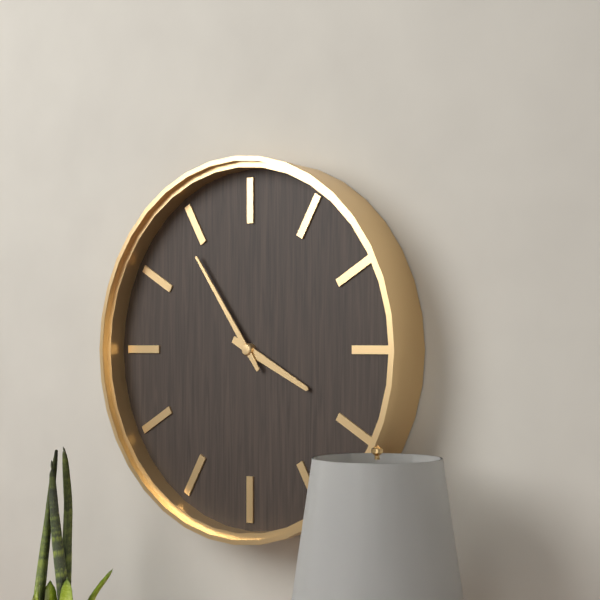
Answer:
3.54
